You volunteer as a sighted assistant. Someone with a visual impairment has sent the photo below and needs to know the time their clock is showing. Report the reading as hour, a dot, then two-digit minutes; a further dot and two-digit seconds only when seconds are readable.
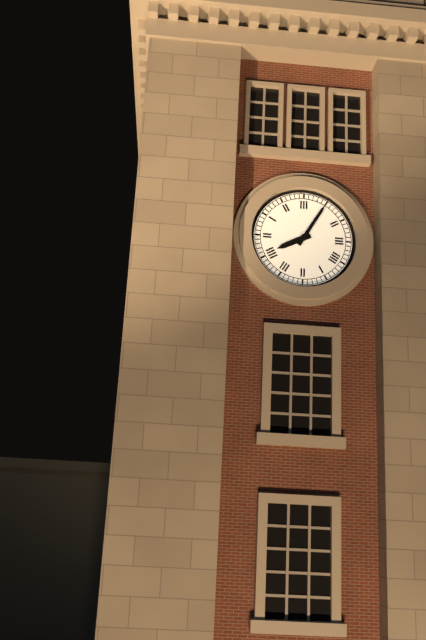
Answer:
8.05
